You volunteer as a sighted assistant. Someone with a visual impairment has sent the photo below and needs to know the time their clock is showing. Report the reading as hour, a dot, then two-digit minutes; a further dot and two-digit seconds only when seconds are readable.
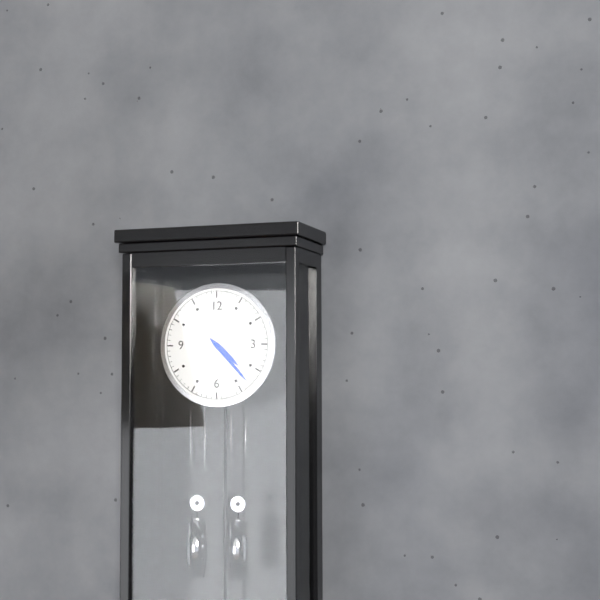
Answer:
4.23
